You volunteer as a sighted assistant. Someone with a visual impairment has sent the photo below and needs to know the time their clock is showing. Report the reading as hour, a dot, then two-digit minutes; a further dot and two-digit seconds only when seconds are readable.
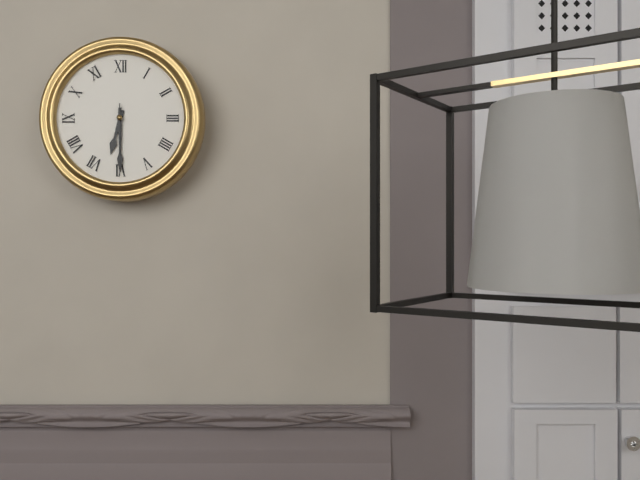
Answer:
6.30.30
